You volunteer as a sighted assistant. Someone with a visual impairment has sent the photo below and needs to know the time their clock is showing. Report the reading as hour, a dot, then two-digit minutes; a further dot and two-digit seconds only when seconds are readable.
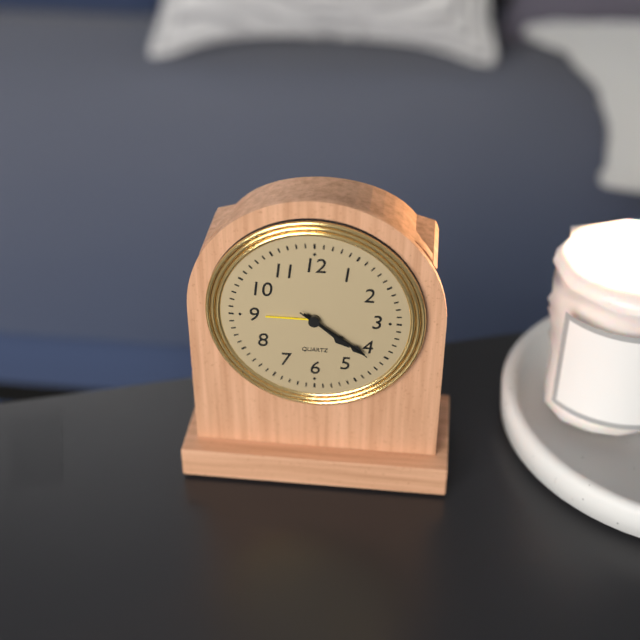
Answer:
4.21.21
